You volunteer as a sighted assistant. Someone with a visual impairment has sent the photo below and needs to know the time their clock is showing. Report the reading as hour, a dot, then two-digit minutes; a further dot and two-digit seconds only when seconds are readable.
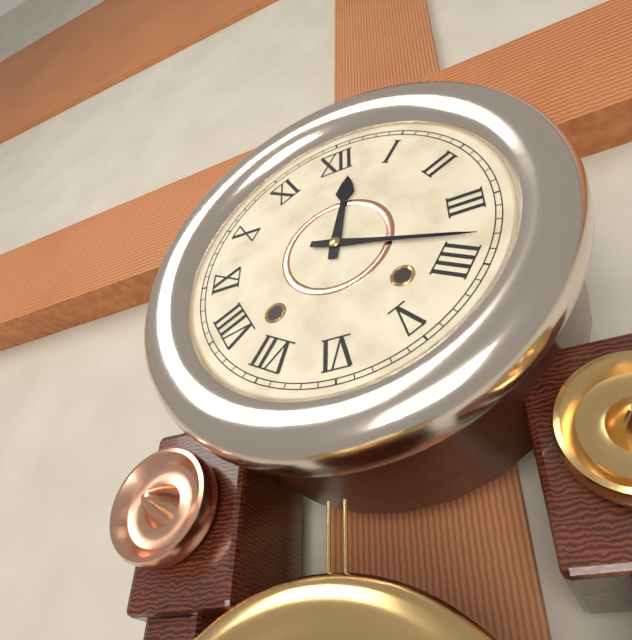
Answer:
12.18
